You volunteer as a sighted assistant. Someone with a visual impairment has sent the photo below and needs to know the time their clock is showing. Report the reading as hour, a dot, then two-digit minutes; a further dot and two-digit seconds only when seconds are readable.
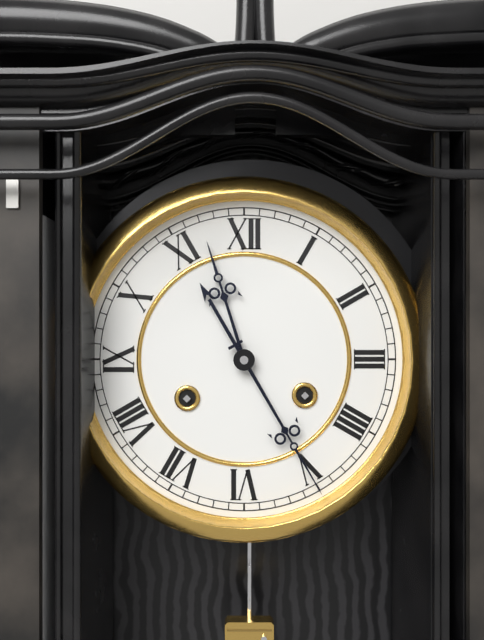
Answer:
11.25
